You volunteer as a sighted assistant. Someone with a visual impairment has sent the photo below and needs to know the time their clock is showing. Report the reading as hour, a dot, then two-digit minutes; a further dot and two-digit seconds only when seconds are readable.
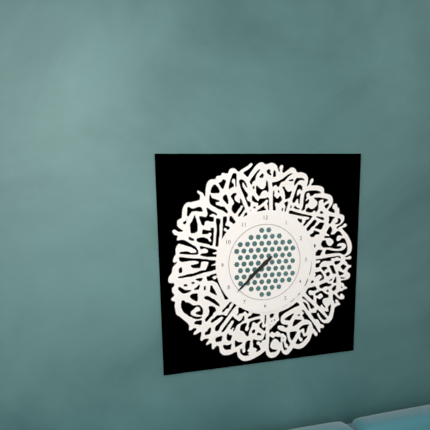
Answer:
7.38
